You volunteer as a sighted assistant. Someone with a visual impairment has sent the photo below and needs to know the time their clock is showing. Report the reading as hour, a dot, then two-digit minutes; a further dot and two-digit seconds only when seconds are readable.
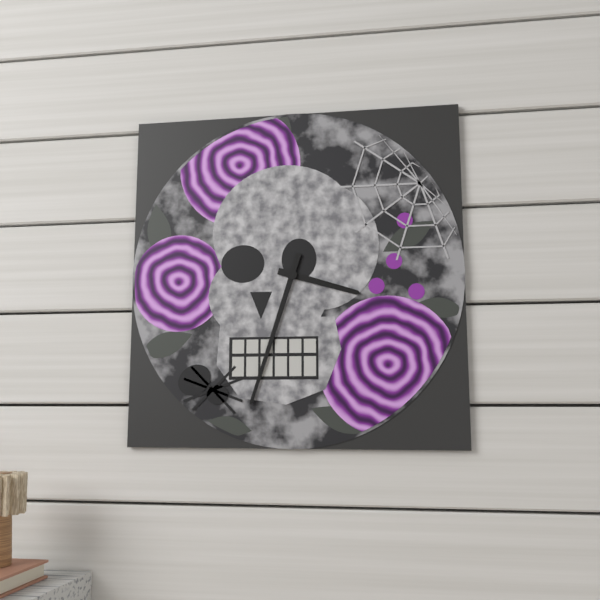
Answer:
3.33
